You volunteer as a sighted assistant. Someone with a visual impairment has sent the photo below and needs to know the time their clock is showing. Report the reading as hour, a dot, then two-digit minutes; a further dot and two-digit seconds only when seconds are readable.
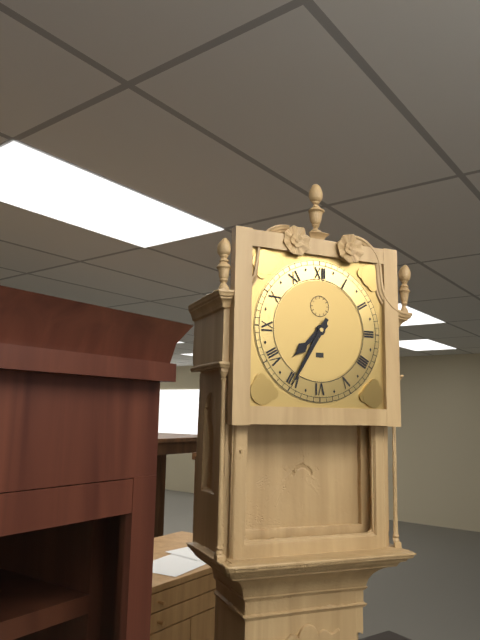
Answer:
7.35
